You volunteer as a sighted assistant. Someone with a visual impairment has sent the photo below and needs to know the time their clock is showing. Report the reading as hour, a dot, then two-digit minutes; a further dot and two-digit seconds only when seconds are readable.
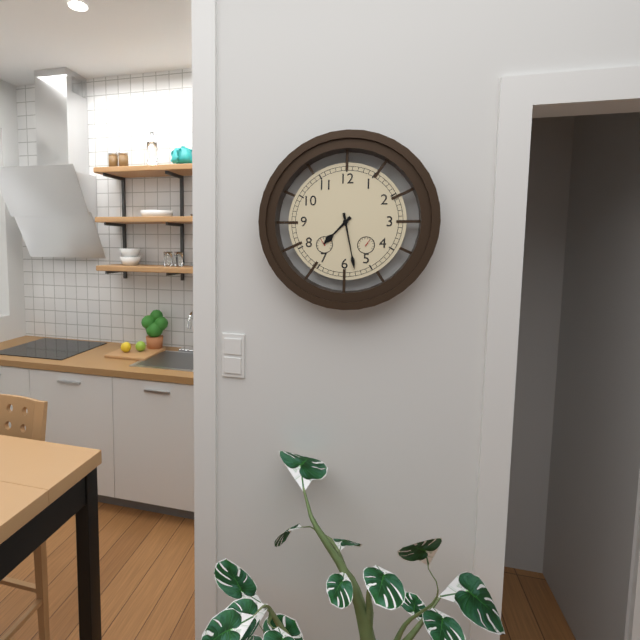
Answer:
7.28
